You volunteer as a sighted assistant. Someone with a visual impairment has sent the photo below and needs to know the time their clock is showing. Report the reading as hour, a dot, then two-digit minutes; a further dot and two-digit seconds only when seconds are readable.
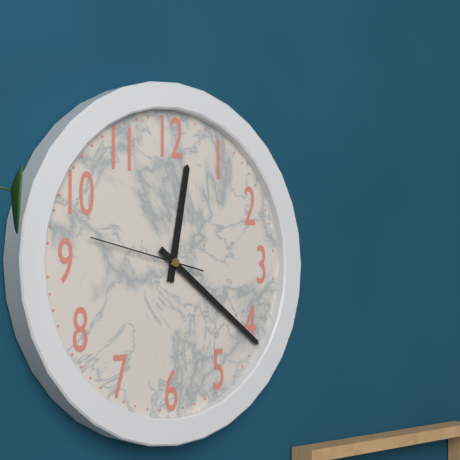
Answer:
12.21.47
